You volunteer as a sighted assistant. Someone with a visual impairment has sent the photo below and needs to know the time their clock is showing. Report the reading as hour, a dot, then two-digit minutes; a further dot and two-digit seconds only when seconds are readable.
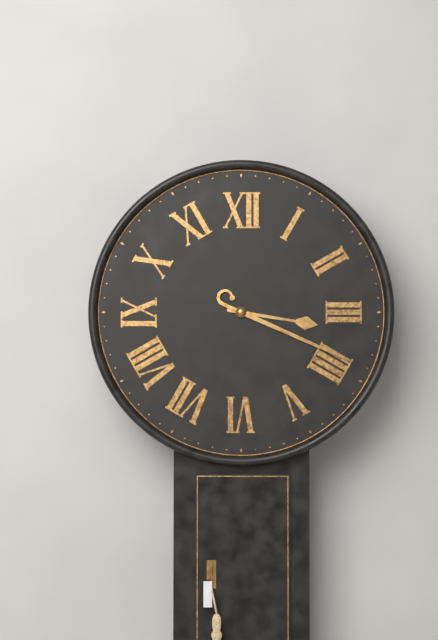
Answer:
3.19
